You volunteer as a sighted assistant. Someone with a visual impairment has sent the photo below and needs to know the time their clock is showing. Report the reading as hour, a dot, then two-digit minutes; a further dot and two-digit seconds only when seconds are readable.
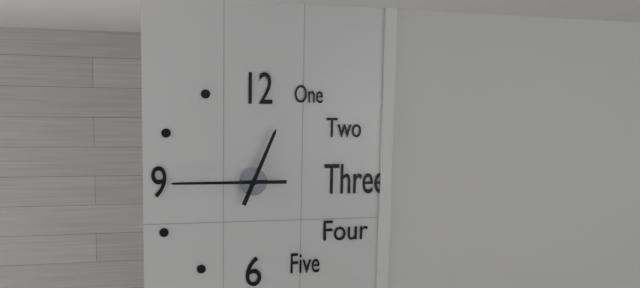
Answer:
12.45
